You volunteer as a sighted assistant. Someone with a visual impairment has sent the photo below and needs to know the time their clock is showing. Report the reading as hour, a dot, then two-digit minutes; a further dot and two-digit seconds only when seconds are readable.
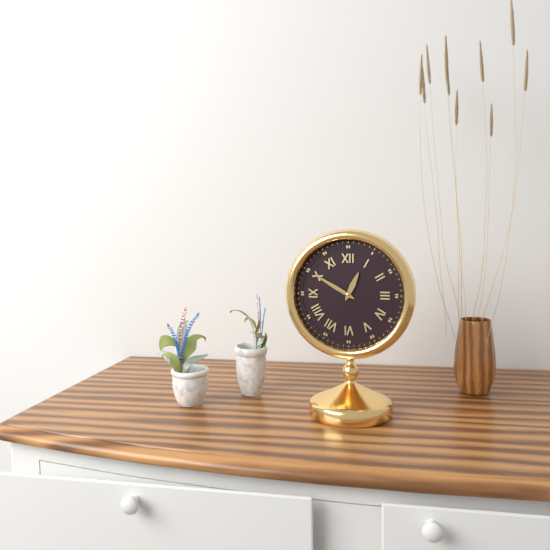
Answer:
12.50
